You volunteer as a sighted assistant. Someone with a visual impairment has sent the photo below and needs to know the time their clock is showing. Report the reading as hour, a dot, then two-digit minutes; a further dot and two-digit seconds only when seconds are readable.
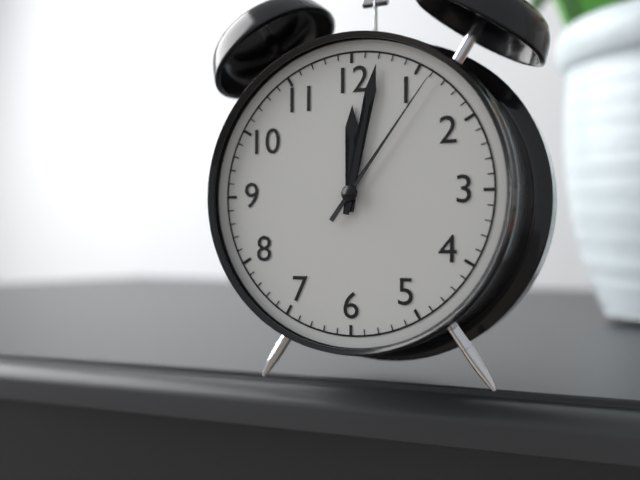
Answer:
12.02.06
